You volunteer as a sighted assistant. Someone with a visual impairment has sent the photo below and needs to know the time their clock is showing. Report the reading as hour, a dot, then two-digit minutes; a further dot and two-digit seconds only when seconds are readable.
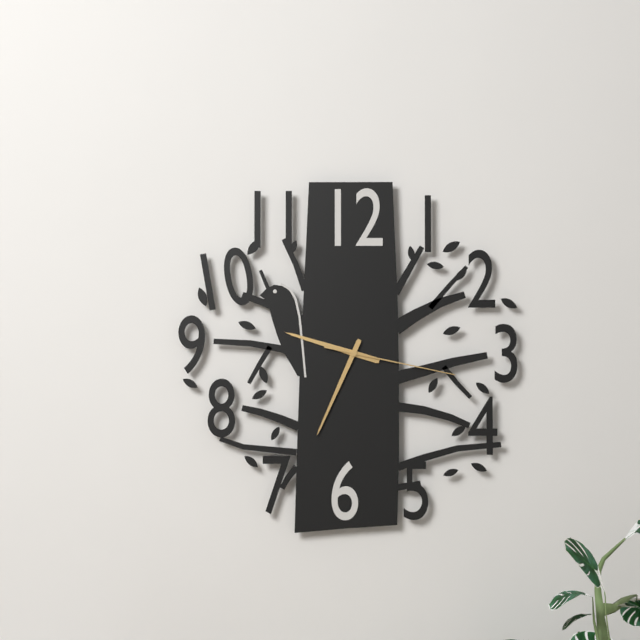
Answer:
9.34.17
